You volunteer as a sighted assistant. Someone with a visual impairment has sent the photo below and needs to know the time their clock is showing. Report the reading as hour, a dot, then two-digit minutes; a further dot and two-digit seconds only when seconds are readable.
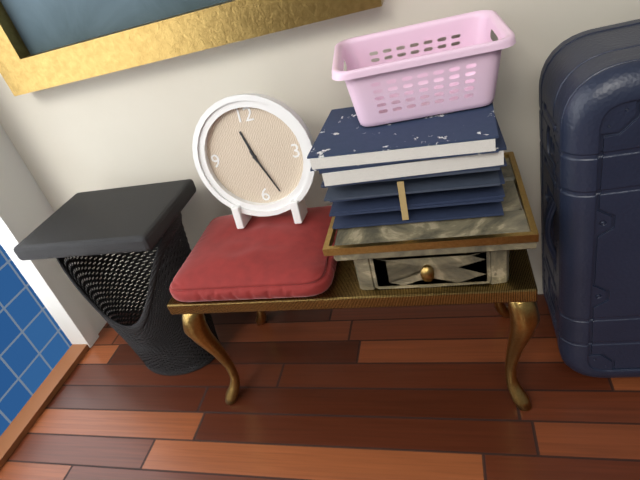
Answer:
11.26
